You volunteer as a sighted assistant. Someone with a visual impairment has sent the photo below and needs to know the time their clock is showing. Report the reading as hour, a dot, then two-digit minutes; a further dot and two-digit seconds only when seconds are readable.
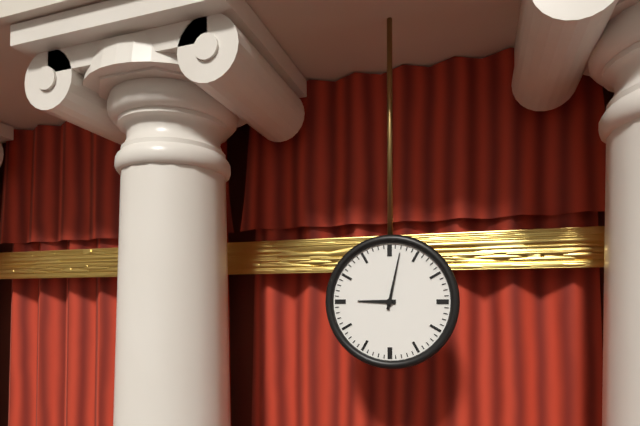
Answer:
9.02
